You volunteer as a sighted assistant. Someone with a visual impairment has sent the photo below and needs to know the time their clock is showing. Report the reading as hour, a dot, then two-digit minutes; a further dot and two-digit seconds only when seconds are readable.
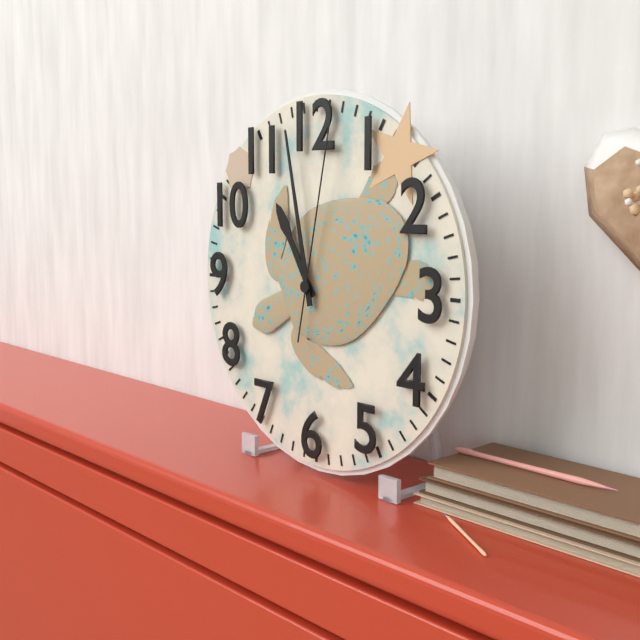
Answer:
10.58.02
